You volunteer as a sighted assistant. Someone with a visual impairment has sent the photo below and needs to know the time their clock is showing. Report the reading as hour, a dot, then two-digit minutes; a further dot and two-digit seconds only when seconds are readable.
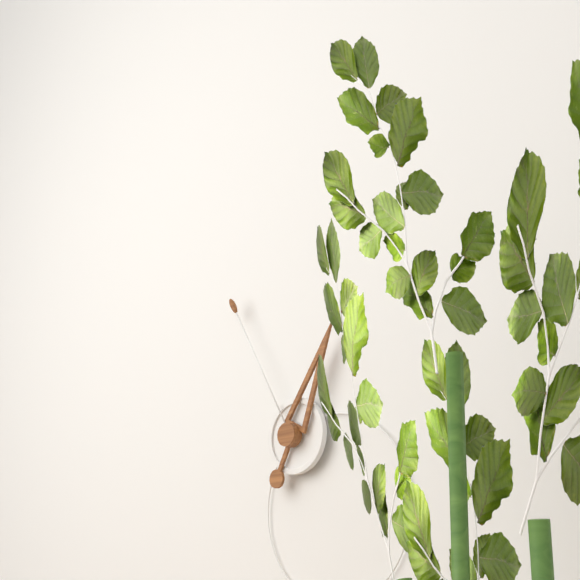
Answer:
12.55
